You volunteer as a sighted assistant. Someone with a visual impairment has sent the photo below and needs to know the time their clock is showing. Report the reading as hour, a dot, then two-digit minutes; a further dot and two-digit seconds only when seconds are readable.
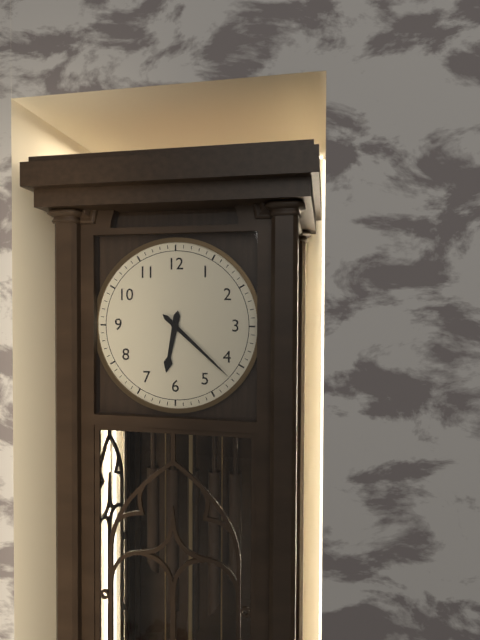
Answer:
6.22
